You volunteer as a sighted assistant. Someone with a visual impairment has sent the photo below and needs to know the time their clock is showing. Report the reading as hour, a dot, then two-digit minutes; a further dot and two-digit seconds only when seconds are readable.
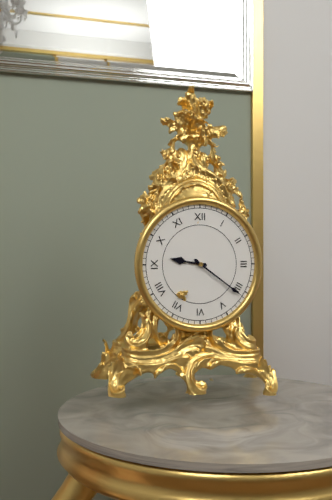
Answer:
9.21
